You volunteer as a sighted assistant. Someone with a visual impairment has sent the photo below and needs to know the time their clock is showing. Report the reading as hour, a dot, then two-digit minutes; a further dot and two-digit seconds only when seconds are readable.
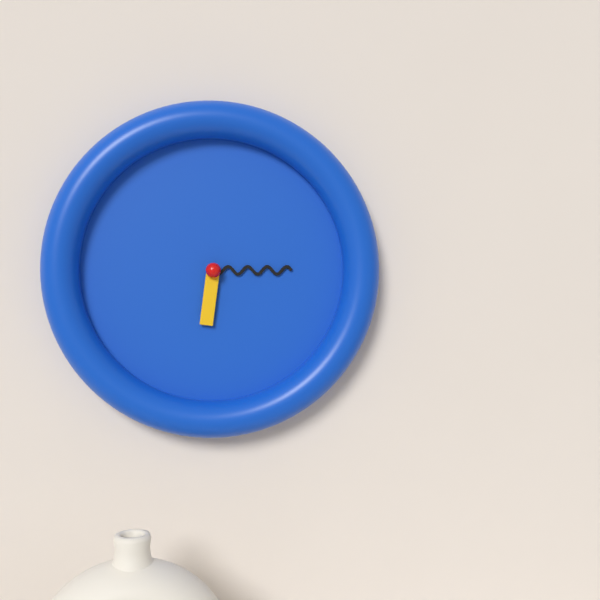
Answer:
6.15
